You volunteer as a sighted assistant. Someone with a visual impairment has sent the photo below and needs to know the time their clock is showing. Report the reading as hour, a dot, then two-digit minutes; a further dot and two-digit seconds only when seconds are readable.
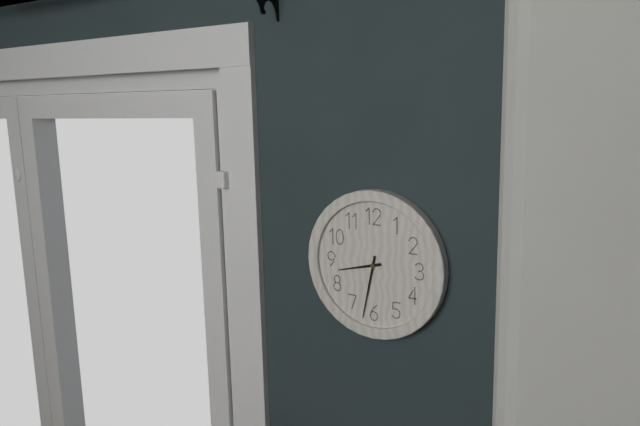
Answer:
8.32
